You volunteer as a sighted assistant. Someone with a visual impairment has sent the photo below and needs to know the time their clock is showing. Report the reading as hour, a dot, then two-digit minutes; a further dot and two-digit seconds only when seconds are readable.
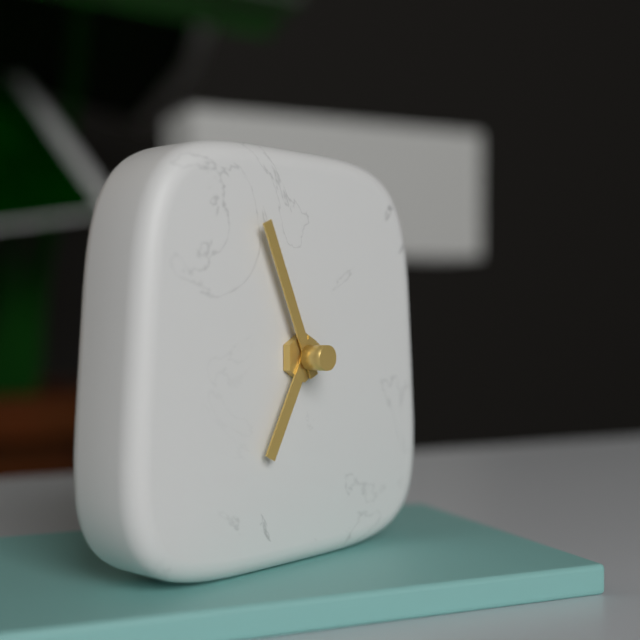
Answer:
6.56
